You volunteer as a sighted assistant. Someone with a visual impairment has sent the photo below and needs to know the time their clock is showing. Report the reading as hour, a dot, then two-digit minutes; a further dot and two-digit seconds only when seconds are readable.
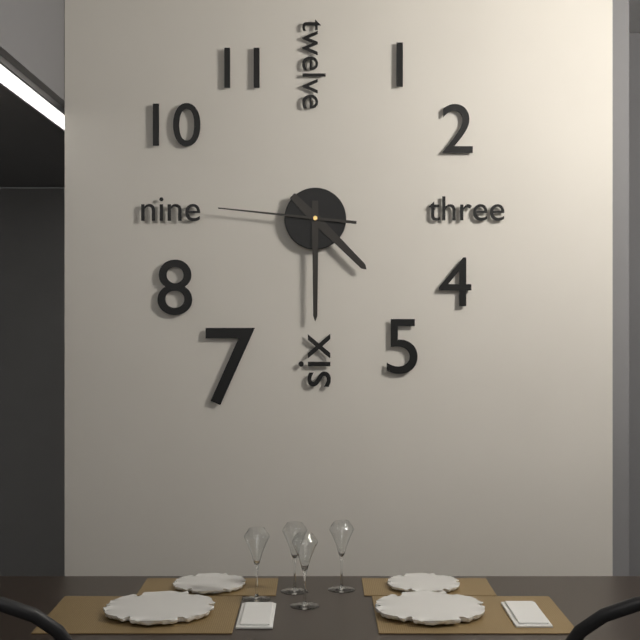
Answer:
4.30.46
